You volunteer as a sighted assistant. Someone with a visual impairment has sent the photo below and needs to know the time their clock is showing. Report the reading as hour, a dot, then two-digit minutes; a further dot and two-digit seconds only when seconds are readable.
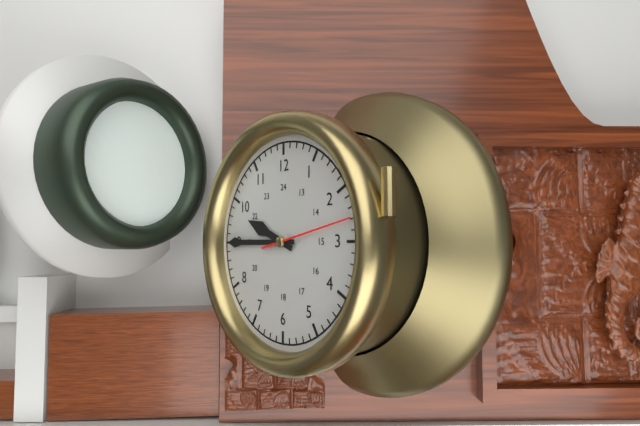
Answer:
9.45.13
